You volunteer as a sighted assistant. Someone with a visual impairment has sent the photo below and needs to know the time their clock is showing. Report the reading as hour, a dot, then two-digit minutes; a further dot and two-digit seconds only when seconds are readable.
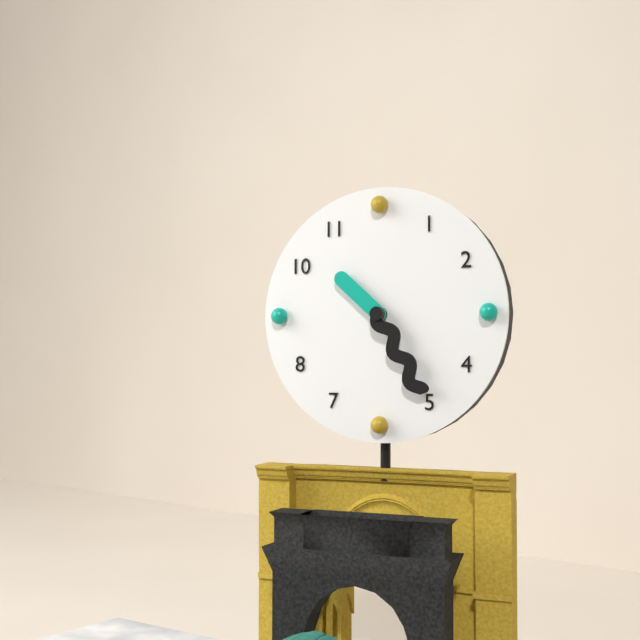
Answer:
10.25
